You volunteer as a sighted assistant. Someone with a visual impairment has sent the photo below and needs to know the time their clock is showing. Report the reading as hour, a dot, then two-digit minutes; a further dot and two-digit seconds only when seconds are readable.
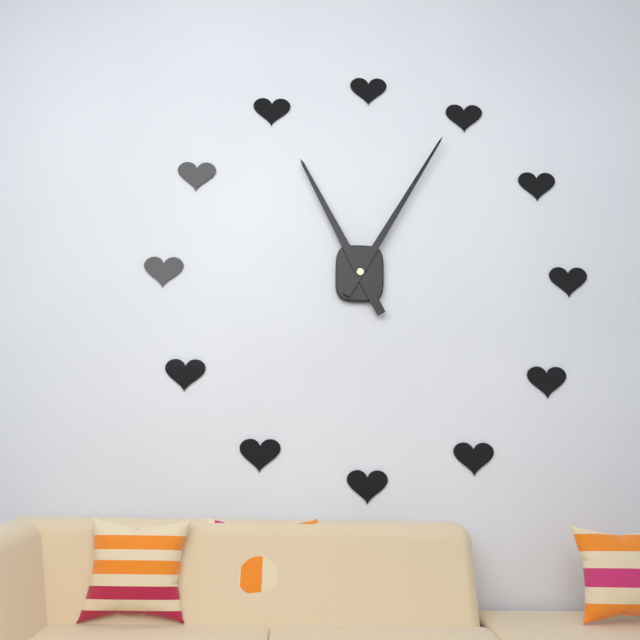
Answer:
11.05
